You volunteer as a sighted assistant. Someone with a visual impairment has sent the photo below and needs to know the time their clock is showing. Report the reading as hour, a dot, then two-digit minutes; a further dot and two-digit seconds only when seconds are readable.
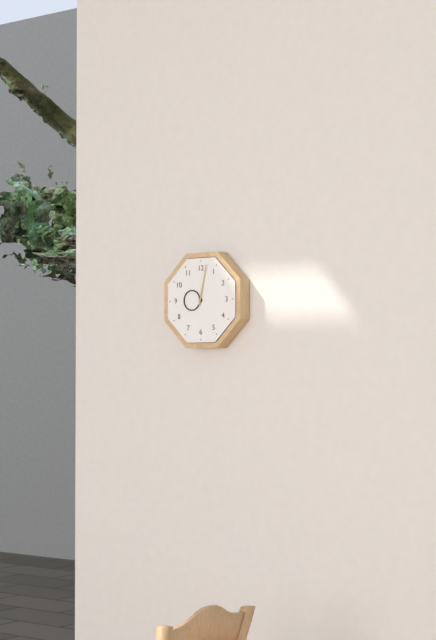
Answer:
9.02
